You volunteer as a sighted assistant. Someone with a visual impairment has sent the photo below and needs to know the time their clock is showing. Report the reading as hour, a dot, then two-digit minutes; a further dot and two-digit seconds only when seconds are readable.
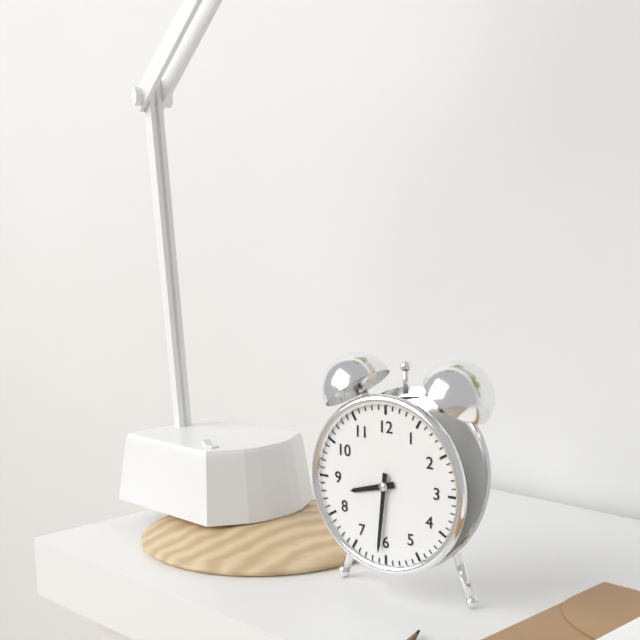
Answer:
8.31
